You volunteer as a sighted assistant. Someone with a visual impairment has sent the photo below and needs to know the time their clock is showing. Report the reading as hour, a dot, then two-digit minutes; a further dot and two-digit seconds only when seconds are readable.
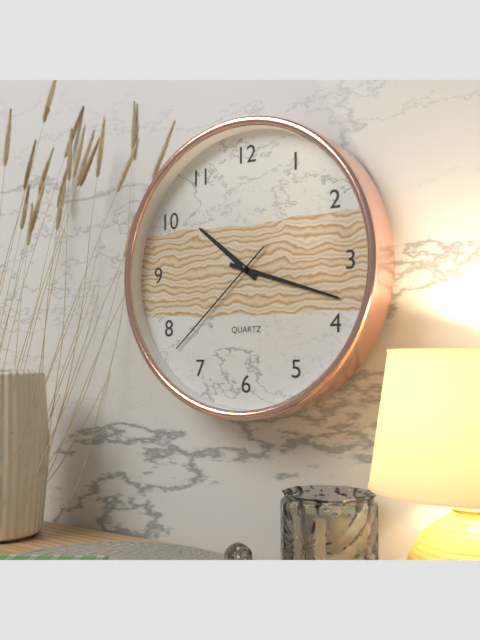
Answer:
10.18.38
